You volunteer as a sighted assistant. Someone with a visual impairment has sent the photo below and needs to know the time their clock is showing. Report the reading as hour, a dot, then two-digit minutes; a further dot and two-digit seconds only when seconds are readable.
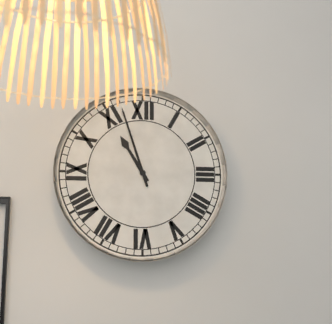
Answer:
10.57
